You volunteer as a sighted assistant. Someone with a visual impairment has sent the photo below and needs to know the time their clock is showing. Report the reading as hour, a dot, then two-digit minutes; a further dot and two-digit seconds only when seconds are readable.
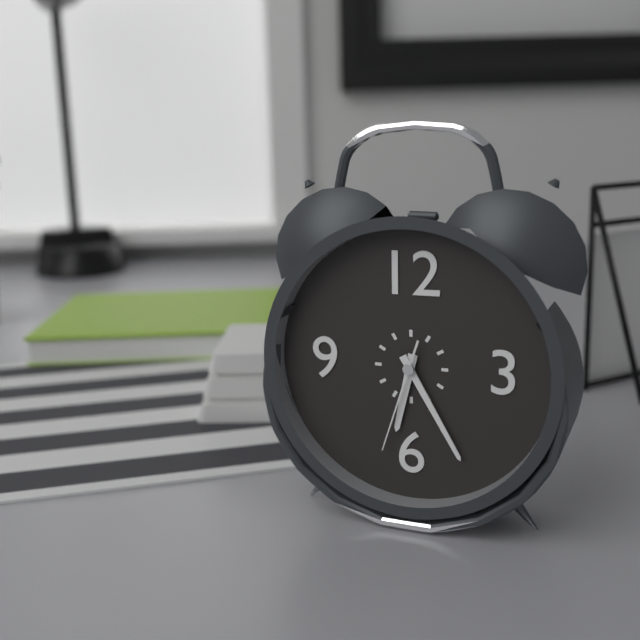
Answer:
6.25.33
